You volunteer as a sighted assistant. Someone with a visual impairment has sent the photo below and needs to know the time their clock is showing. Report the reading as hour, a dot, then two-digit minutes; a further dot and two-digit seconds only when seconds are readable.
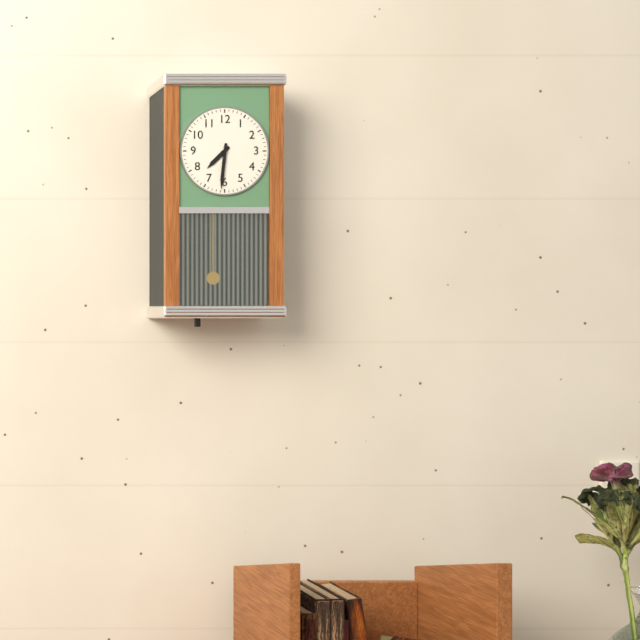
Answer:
7.31
